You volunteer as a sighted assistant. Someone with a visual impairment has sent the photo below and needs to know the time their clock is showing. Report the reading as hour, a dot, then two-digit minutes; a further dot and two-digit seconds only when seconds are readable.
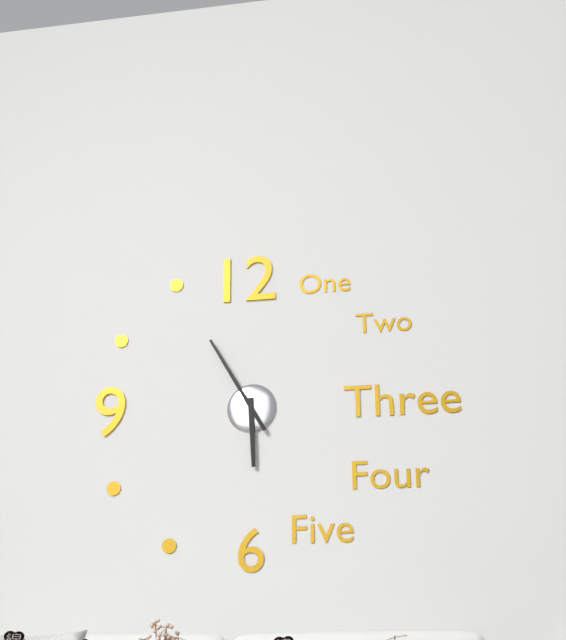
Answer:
5.55
